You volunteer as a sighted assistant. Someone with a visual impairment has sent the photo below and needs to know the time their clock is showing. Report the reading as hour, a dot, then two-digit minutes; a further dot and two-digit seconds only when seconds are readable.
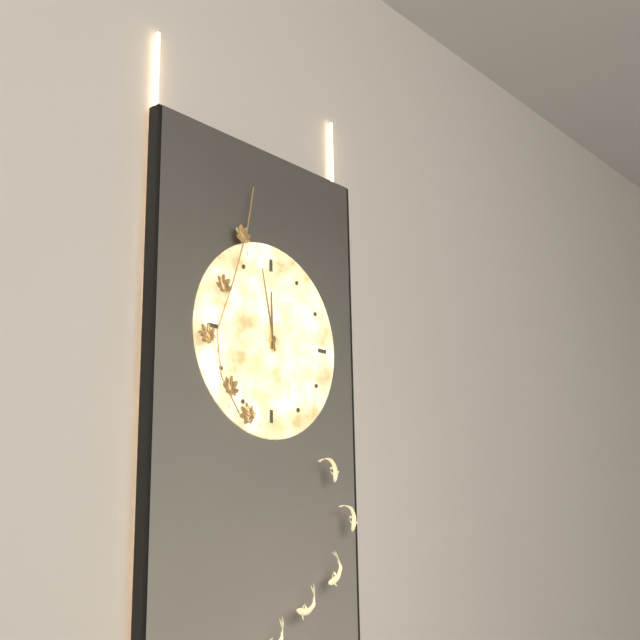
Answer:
11.58
